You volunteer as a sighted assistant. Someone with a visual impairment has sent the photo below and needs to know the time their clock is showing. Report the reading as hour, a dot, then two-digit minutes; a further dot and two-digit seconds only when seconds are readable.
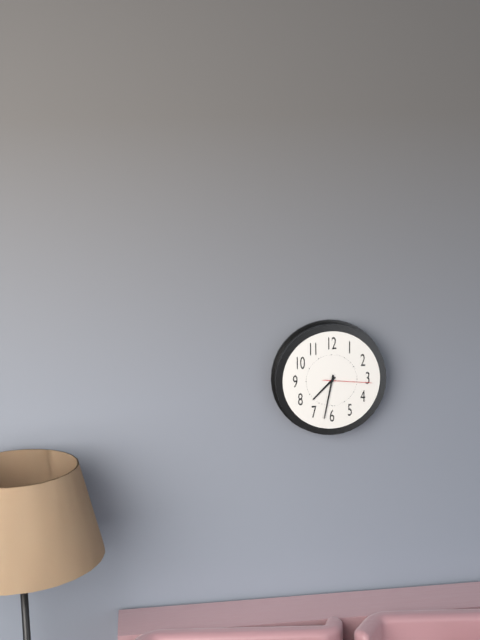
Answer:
7.32.16
